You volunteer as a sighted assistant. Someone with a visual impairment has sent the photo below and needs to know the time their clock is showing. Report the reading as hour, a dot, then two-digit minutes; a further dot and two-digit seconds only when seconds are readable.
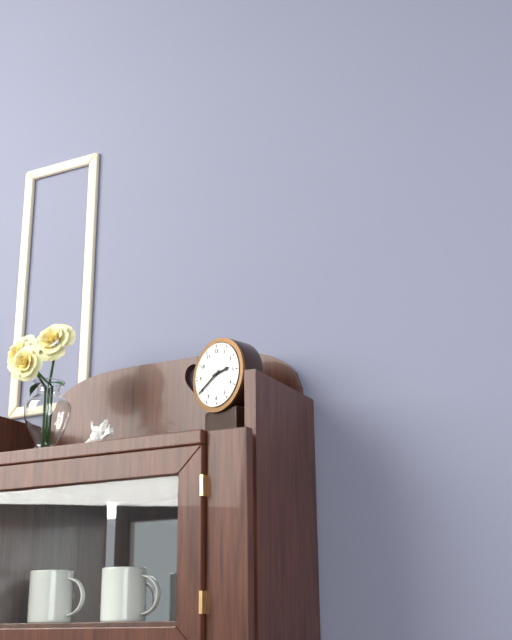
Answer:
2.40
